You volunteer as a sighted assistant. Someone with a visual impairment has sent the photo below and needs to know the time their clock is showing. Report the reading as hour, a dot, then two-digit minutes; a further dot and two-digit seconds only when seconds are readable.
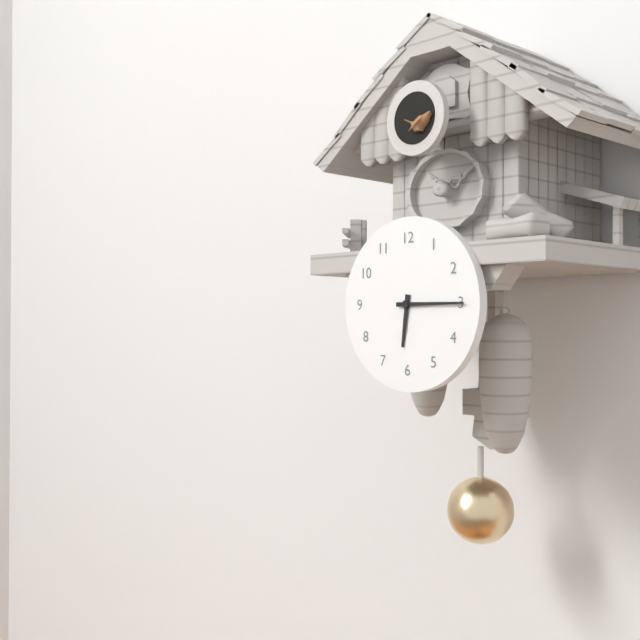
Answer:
6.15
